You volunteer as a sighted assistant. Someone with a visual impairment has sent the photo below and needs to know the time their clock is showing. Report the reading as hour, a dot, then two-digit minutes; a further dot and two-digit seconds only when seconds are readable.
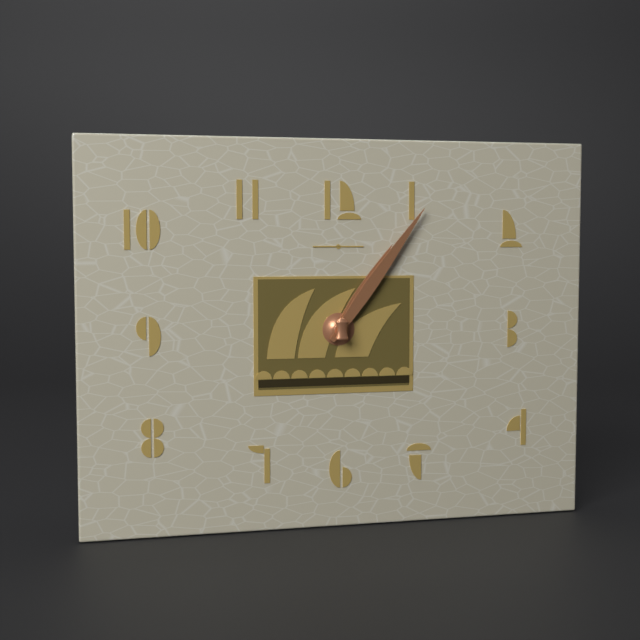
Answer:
1.06
